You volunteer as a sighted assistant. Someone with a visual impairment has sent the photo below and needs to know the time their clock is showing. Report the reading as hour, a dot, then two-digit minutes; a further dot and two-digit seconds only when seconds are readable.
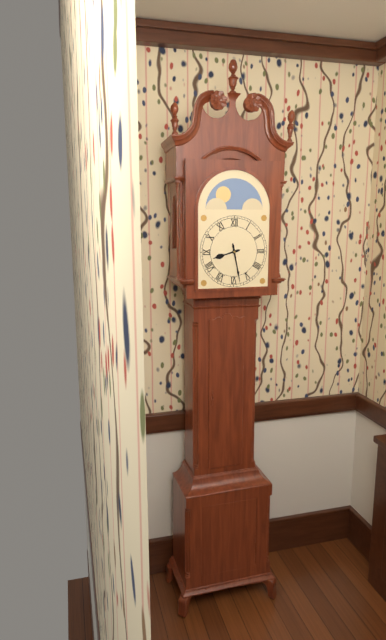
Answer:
8.28
